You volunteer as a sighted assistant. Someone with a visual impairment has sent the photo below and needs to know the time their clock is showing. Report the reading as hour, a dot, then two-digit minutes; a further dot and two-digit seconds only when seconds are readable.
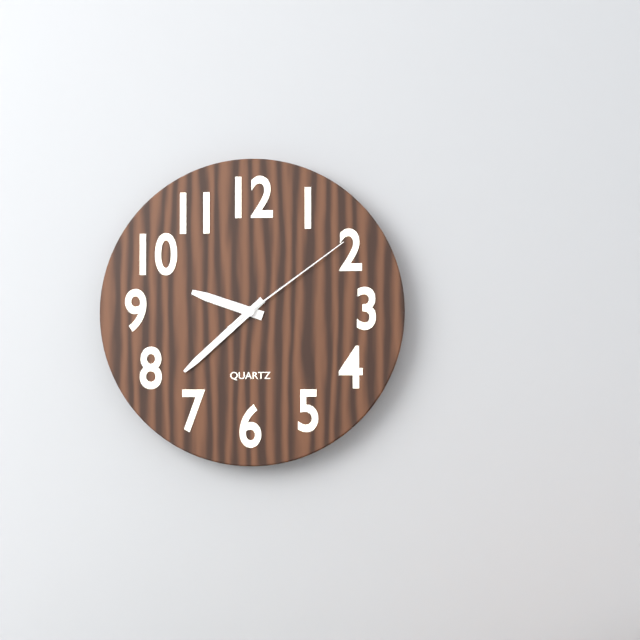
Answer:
9.38.09
